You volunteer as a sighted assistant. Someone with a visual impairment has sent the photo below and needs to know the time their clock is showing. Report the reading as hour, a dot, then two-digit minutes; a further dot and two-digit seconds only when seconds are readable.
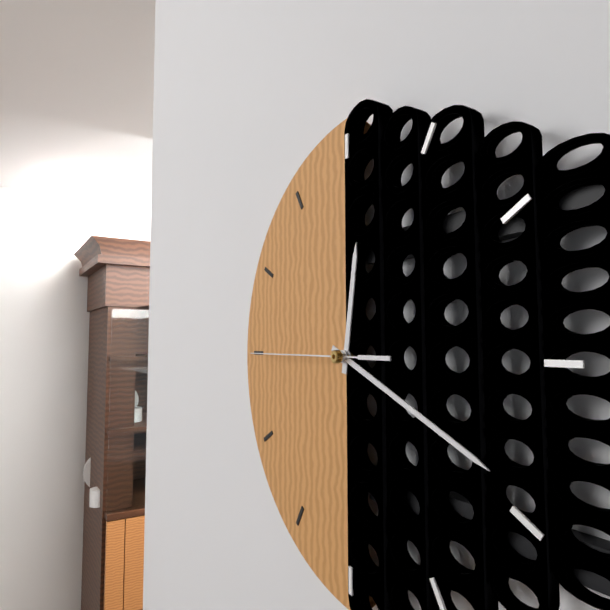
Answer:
12.19.45
